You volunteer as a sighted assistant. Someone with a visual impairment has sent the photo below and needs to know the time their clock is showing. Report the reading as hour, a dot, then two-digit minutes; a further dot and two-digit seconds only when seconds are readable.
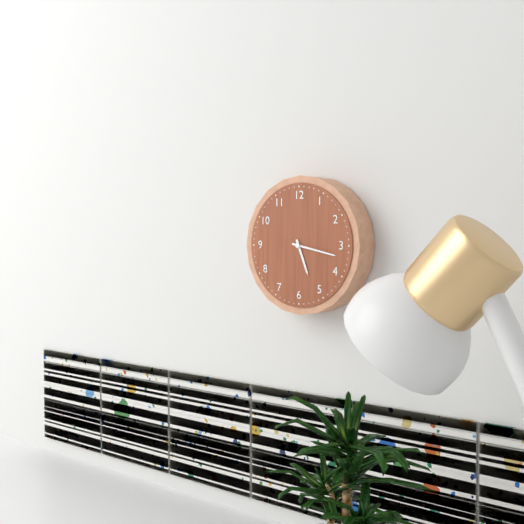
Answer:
5.17
